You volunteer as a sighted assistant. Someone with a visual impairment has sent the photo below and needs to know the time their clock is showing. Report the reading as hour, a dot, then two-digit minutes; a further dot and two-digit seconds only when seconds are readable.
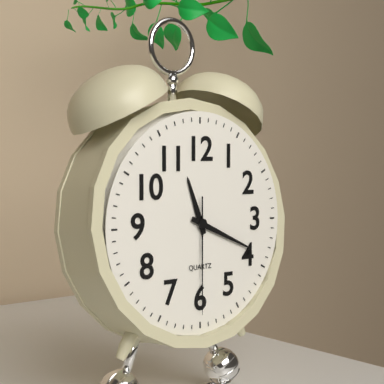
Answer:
11.19.30
